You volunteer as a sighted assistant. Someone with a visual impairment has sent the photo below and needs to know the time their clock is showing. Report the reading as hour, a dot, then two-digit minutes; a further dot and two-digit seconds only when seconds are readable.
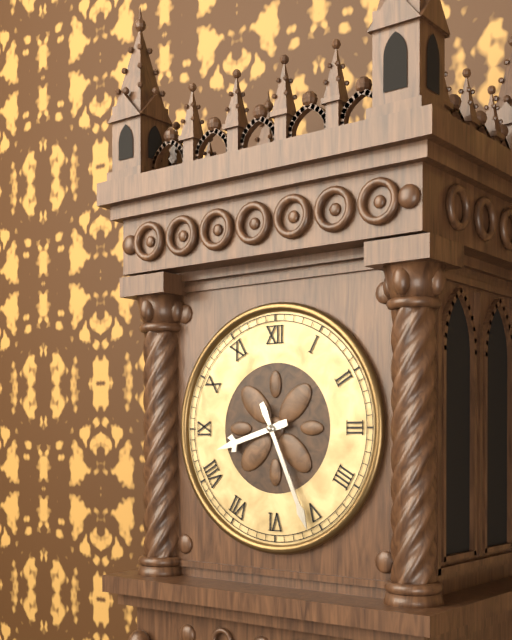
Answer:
8.26
